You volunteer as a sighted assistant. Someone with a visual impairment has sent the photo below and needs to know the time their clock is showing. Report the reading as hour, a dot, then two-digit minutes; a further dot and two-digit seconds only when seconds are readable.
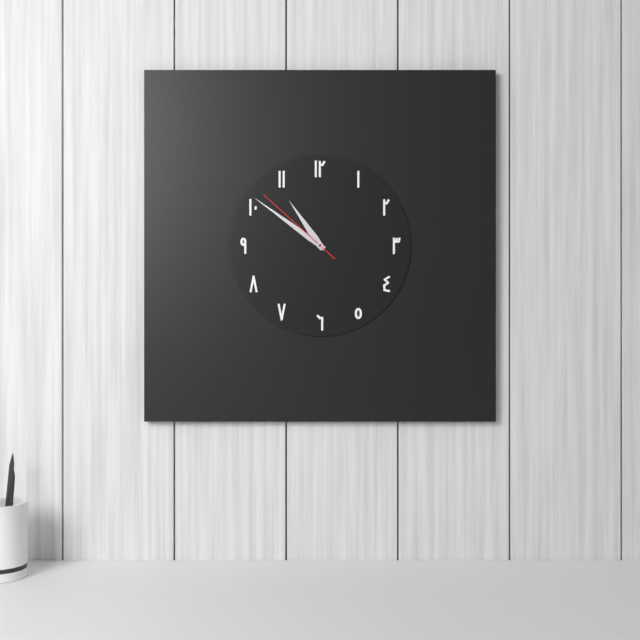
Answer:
10.51.52
